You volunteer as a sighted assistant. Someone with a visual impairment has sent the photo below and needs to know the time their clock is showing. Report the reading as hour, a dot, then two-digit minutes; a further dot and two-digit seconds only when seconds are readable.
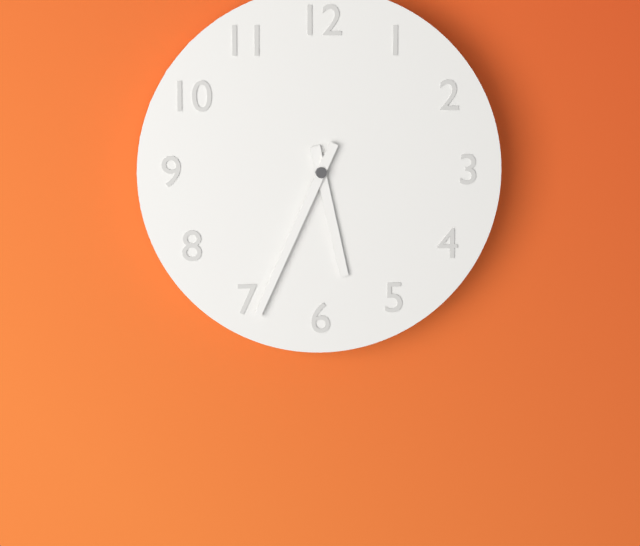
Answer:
5.34
